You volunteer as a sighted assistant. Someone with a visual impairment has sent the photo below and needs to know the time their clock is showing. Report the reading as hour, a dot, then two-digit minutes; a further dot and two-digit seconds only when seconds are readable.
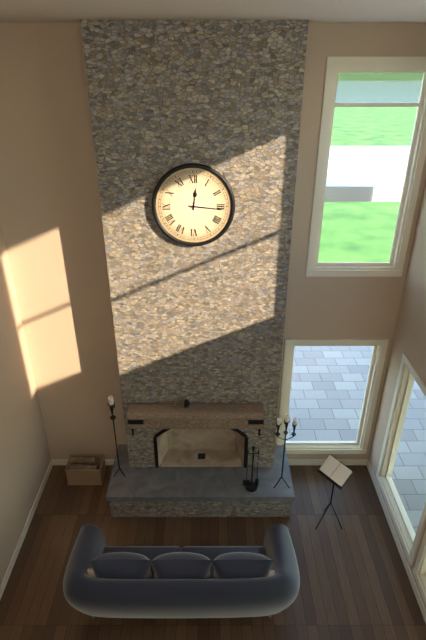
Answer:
12.16
